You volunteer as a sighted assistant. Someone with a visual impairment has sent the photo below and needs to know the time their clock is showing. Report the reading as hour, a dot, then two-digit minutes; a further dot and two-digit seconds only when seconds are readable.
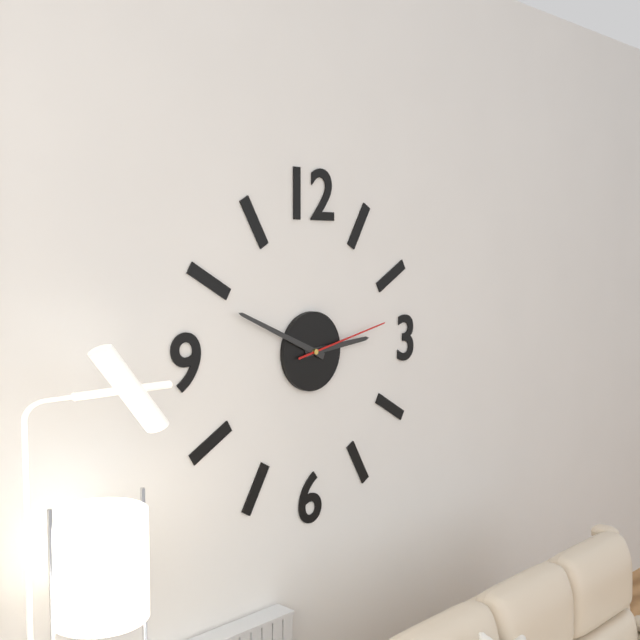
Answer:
2.49.13
